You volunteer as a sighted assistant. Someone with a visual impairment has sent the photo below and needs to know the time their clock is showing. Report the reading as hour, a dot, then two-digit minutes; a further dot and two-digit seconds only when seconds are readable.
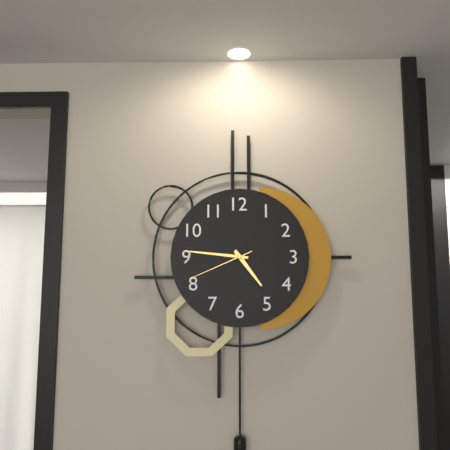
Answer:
4.46.41
